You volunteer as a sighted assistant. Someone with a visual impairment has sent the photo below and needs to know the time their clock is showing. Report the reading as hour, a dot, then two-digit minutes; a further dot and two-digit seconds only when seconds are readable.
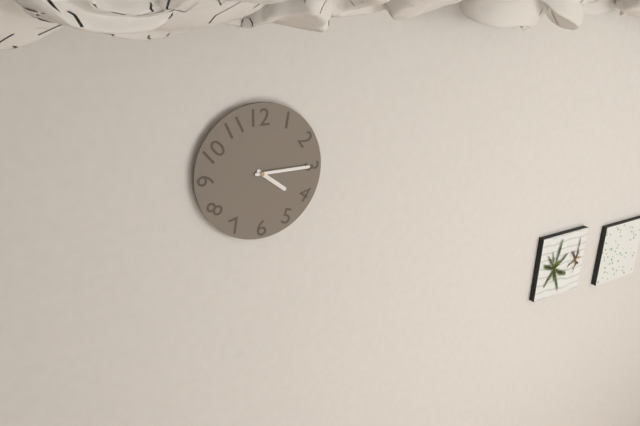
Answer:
4.15
